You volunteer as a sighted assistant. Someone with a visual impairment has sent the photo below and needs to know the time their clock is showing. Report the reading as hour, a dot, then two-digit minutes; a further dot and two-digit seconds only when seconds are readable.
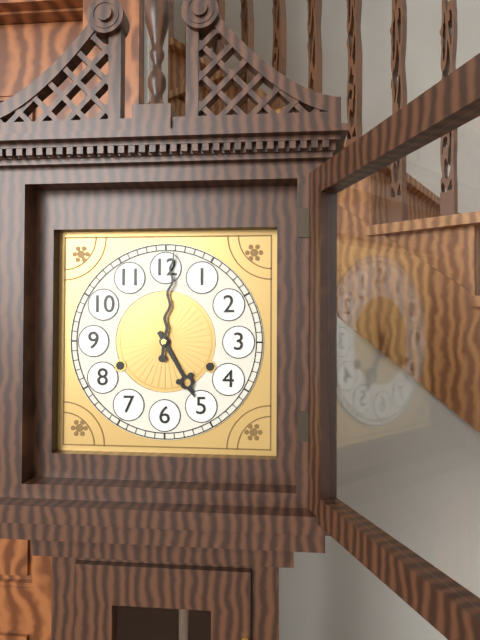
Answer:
5.01
